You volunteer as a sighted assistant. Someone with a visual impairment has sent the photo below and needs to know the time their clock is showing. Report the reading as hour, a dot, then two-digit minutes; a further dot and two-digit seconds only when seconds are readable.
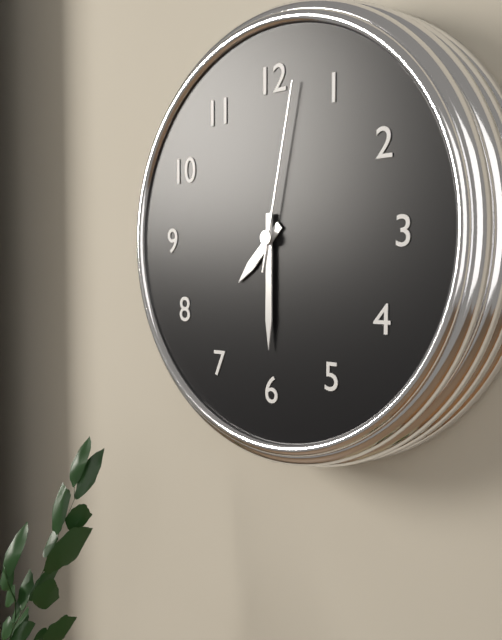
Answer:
7.30.02
